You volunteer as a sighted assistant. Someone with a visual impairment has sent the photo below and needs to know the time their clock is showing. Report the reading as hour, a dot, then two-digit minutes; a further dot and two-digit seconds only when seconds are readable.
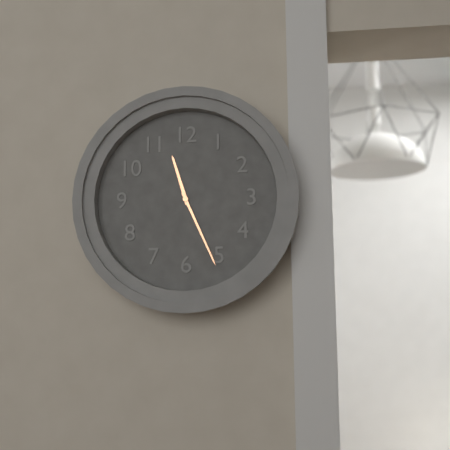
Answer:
11.26
